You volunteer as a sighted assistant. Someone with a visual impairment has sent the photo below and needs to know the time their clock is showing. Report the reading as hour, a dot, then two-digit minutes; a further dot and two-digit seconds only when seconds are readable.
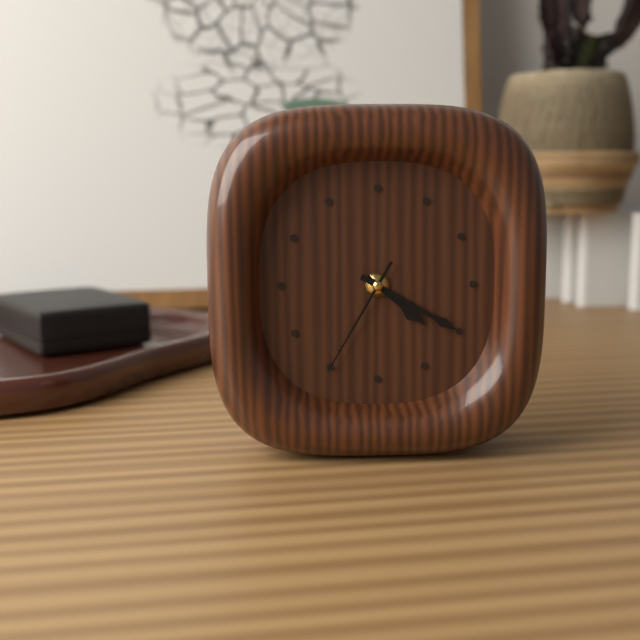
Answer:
4.20.35
